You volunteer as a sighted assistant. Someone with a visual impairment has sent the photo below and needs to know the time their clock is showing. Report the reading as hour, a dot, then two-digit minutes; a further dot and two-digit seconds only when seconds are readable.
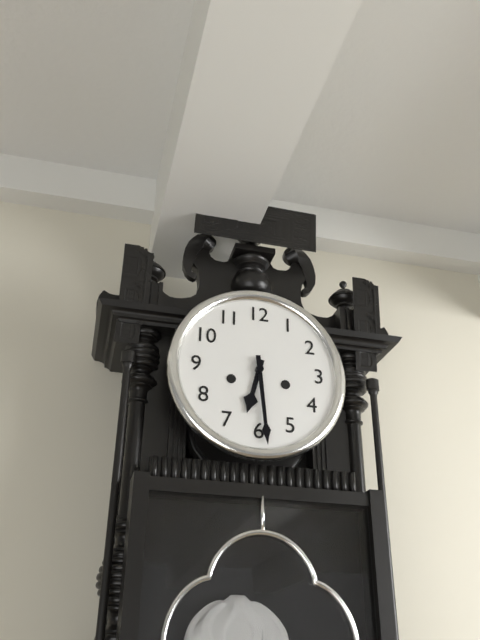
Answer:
6.29
